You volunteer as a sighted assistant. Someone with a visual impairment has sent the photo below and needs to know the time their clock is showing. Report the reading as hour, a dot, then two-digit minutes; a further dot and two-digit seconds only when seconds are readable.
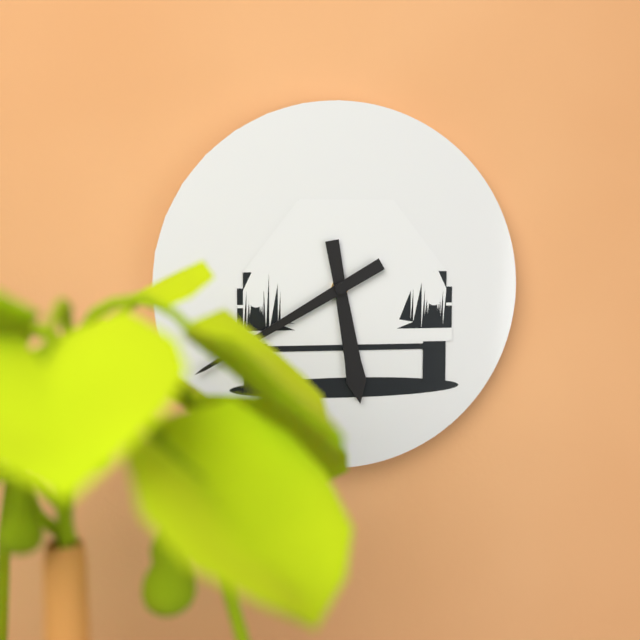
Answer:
5.40
